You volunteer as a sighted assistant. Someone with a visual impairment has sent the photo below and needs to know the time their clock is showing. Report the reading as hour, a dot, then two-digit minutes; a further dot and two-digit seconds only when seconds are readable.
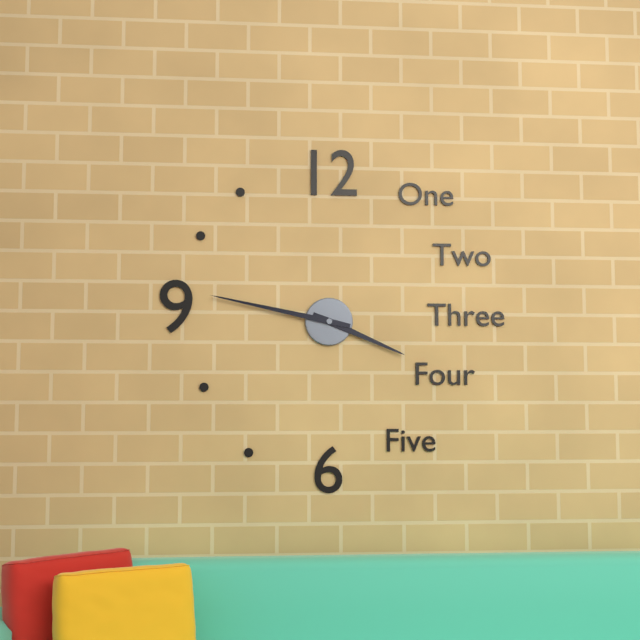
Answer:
3.47
